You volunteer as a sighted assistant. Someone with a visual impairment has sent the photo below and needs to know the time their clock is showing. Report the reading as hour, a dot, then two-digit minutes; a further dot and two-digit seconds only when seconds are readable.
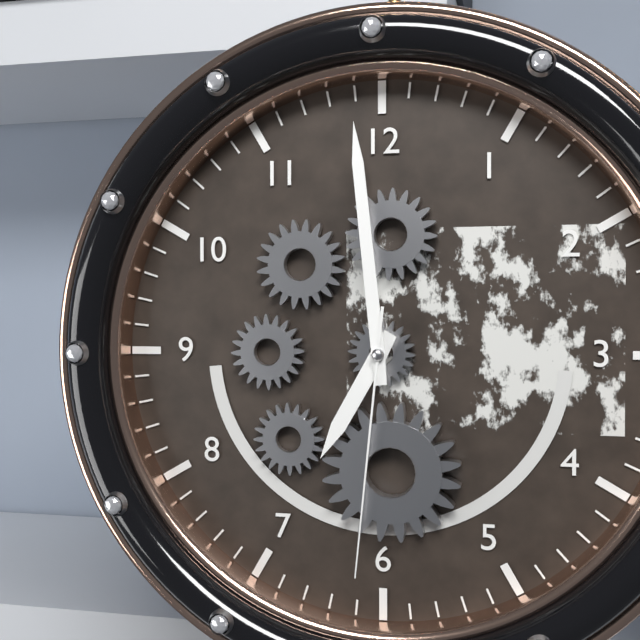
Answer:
6.59.31
